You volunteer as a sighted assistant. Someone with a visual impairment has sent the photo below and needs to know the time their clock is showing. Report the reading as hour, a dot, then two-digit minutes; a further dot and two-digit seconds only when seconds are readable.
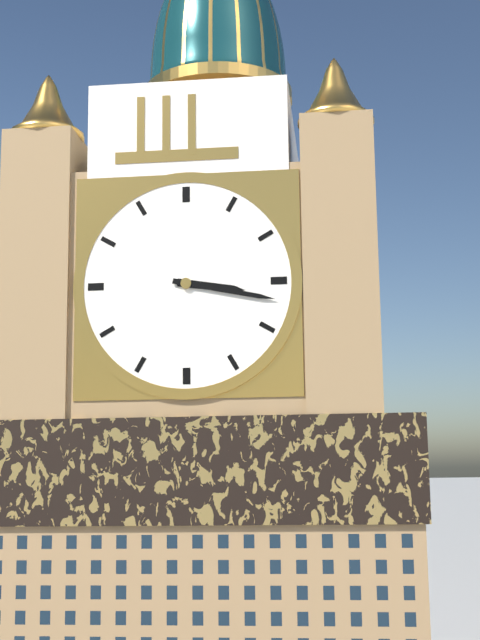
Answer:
3.17
